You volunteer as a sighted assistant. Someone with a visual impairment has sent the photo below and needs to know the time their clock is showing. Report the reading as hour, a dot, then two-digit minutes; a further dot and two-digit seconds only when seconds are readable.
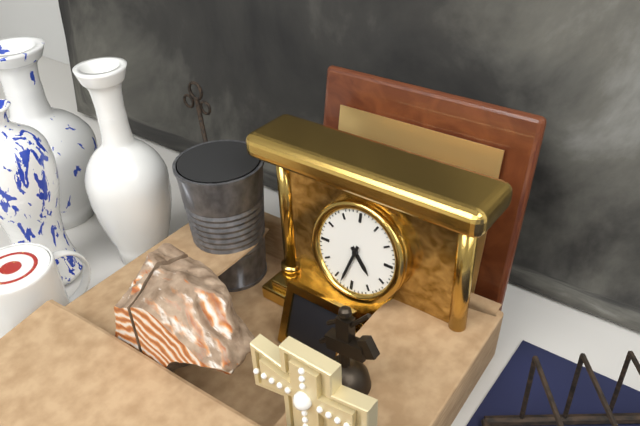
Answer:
4.33
